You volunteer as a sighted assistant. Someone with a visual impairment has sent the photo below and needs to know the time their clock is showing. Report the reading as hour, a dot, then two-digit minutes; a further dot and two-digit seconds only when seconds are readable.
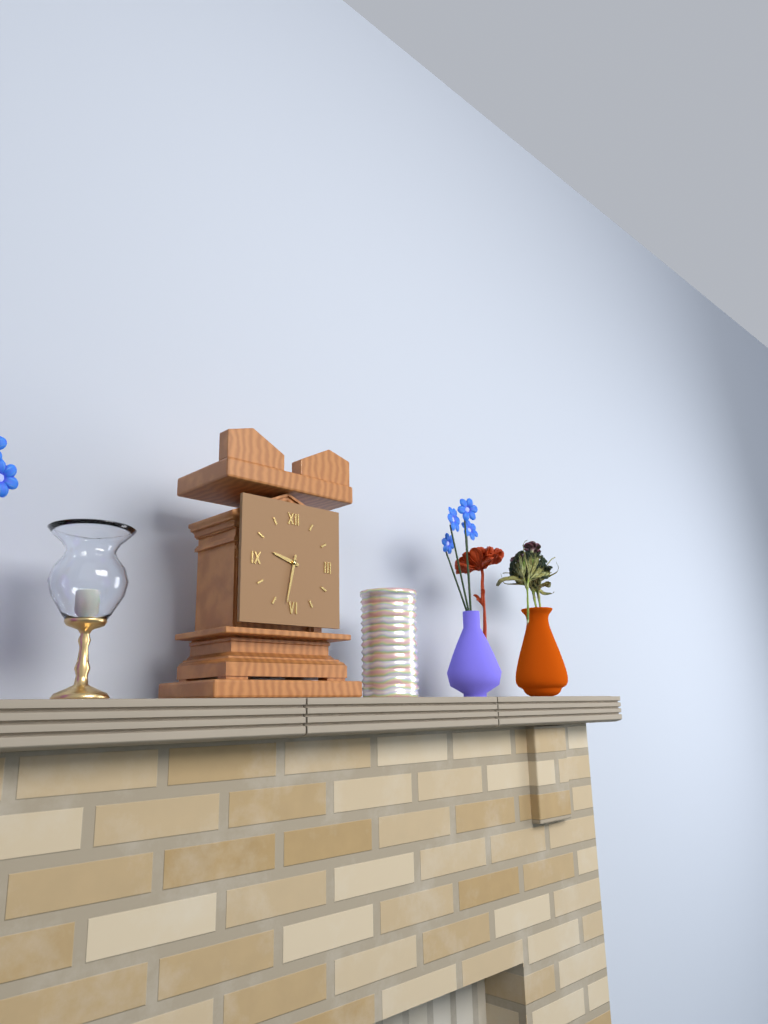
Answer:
9.32
